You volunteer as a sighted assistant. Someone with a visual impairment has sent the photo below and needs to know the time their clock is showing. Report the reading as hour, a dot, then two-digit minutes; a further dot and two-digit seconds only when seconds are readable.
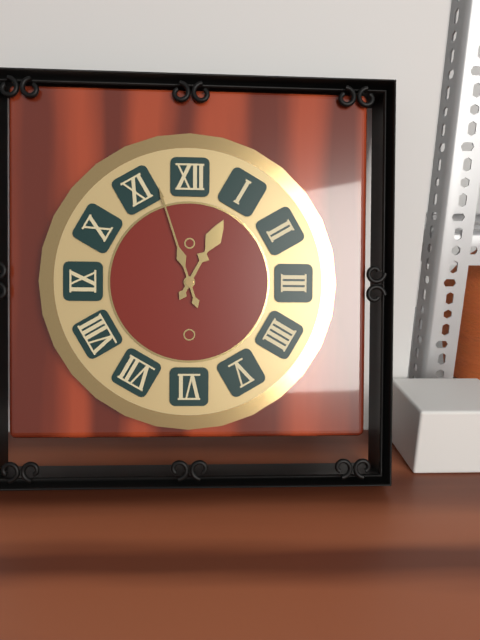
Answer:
12.57
